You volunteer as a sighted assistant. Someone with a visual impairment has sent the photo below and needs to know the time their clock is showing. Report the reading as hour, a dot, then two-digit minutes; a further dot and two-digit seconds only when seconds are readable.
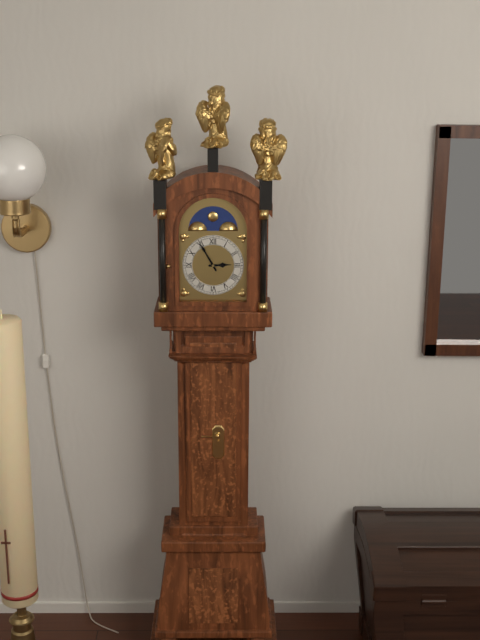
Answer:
2.55
